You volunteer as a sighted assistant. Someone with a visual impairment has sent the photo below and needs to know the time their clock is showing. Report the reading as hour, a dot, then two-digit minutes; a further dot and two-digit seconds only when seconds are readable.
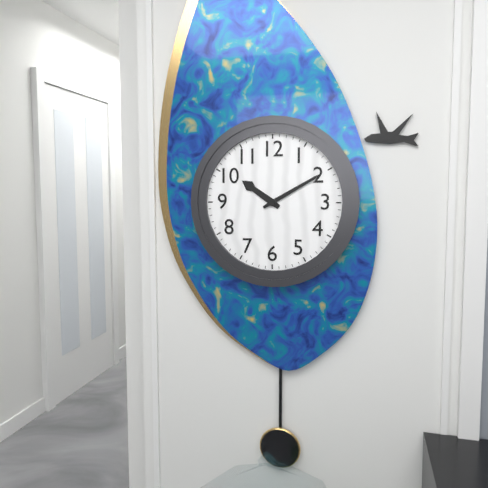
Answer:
10.10
